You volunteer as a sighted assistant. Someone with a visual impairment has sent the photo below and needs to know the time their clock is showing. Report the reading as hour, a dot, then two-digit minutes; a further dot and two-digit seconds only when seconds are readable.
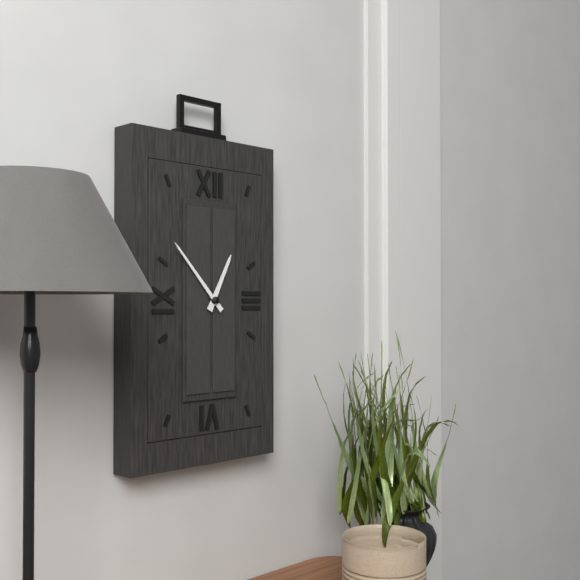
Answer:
12.53
